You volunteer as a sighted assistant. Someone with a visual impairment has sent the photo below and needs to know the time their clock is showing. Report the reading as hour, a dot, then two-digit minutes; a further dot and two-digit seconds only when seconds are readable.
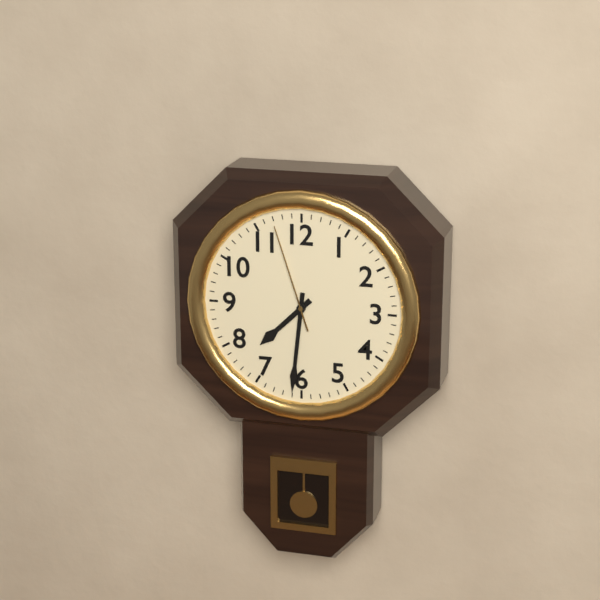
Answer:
7.31.57
